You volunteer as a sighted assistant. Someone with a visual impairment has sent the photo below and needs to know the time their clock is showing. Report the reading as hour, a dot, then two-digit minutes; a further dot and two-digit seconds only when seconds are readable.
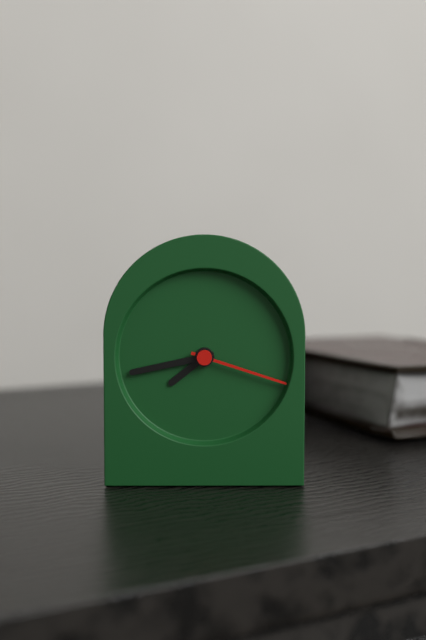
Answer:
7.43.18
